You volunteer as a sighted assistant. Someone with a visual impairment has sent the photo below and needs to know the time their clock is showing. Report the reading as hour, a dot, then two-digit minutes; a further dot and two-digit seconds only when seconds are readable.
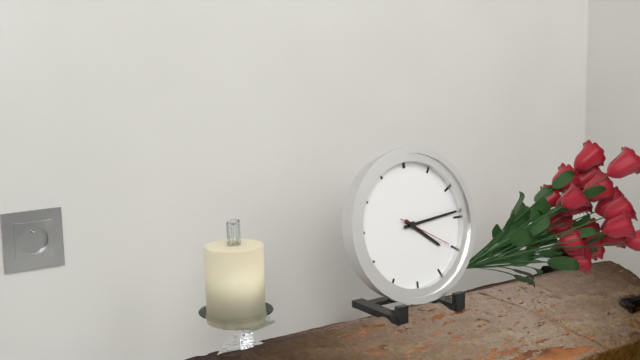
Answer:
4.14.20
